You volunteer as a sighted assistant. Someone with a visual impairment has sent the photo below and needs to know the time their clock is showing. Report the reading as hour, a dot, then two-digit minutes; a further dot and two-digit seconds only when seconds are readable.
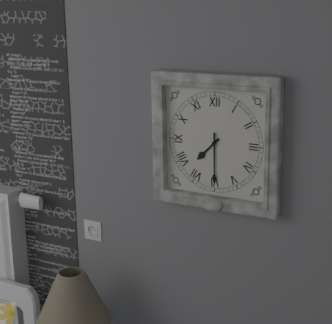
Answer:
7.30
